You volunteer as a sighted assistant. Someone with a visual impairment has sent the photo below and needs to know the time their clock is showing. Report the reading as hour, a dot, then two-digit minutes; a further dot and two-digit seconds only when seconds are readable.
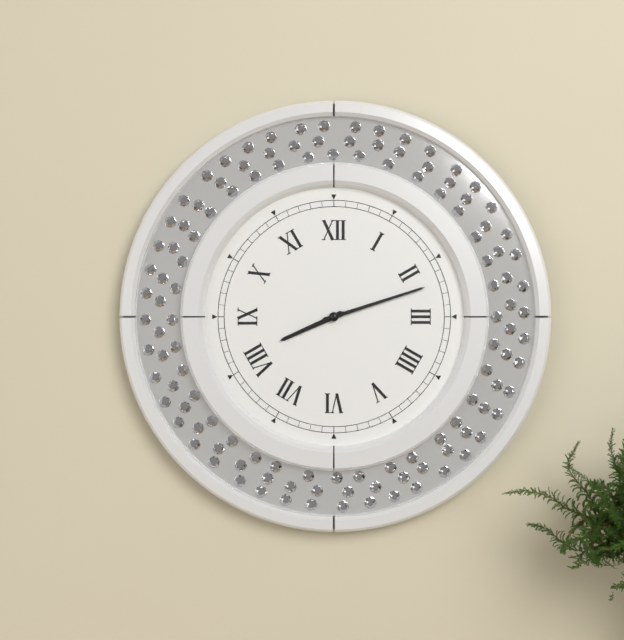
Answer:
8.12
